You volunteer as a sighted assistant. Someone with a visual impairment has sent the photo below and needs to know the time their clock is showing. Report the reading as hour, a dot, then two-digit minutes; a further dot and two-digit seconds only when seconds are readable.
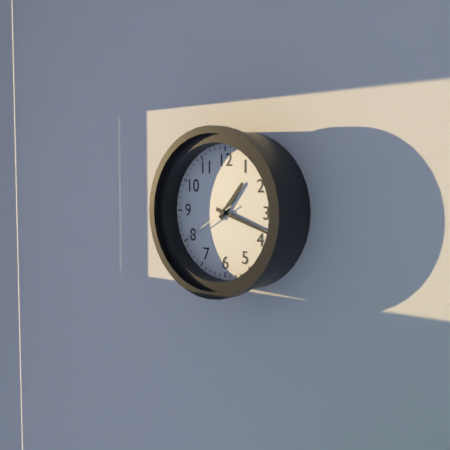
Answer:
1.18.40
